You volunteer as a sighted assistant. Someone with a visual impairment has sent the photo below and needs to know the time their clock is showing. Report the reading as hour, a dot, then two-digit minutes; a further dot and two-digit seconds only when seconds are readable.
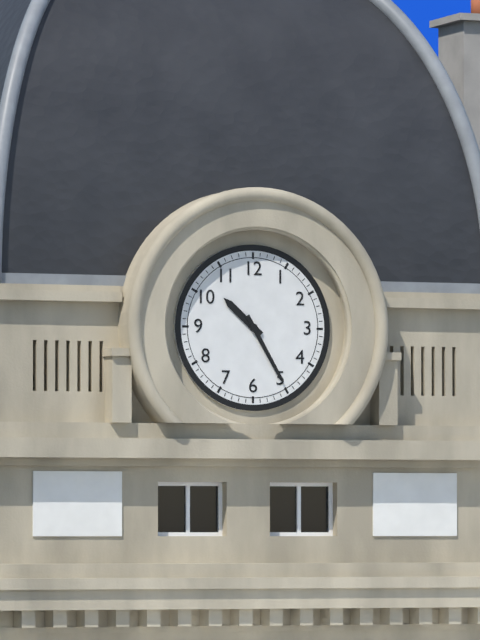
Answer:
10.25
